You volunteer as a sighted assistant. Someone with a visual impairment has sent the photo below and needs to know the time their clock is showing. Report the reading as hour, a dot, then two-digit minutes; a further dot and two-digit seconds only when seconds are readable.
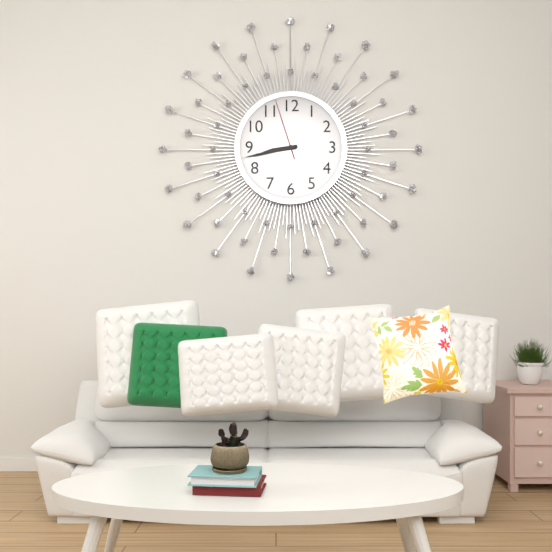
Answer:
8.43.57
